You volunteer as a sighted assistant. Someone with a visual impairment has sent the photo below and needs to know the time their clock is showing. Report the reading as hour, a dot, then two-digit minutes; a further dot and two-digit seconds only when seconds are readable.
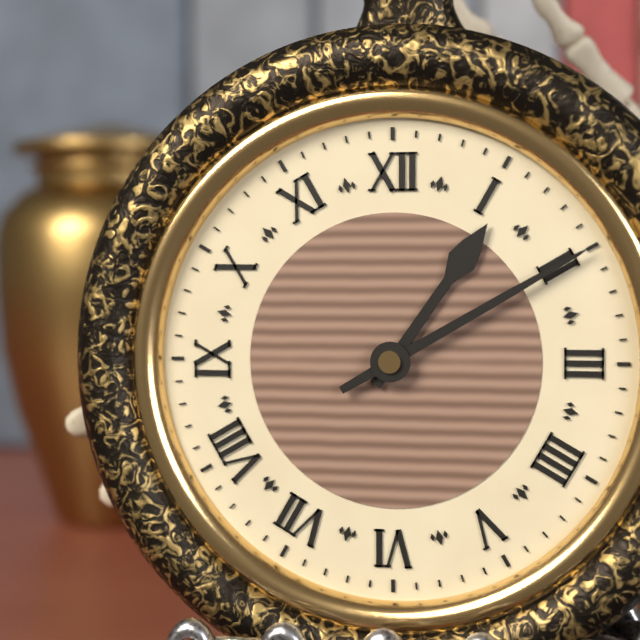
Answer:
1.10
